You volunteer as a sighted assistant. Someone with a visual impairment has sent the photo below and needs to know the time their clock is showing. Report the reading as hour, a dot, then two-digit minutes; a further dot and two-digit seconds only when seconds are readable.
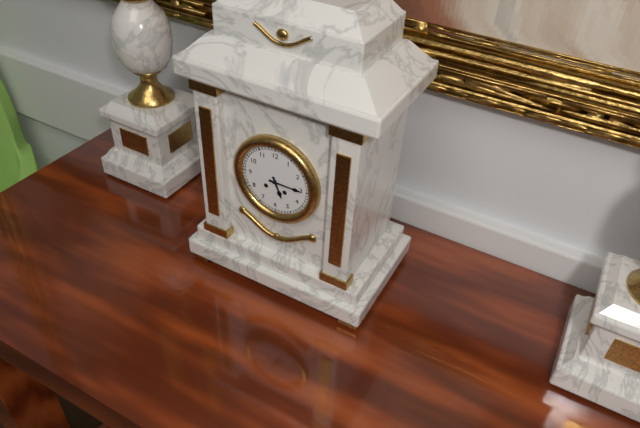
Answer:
5.15
